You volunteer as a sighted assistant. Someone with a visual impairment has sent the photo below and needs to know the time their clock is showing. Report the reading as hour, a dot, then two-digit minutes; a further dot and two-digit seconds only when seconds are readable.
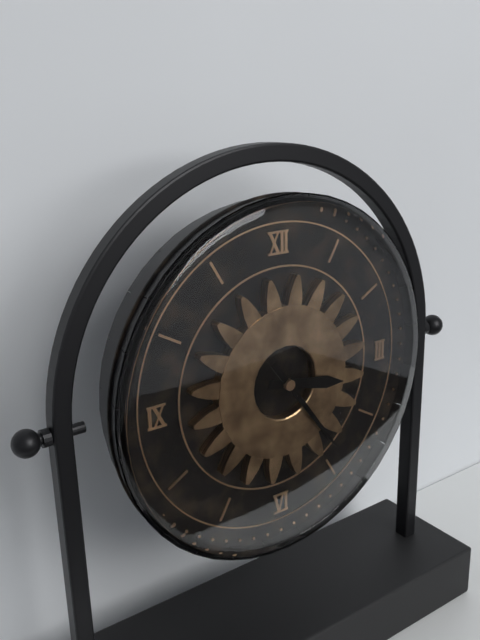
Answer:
3.24
